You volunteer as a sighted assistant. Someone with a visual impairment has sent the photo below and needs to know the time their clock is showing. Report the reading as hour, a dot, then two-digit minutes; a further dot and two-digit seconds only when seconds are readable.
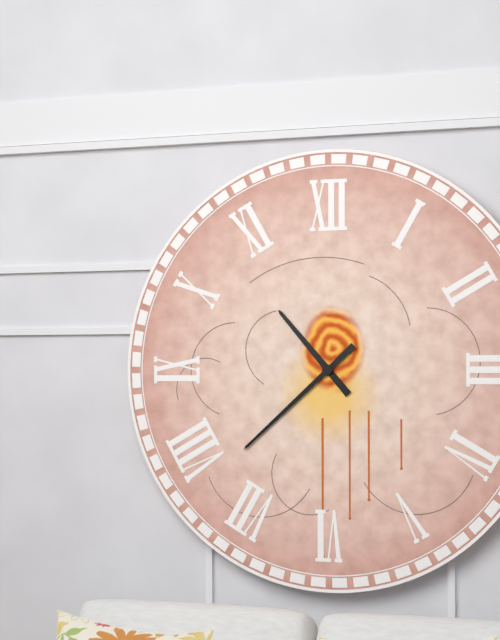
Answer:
10.38
